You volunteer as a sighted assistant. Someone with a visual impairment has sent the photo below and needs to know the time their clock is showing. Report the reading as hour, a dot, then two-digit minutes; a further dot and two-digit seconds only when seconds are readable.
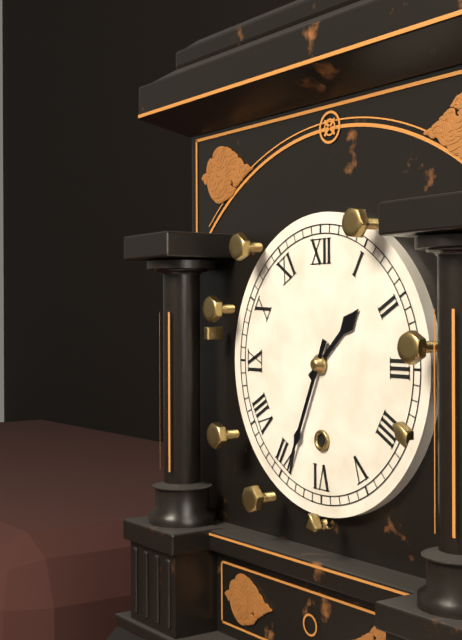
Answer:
1.34
